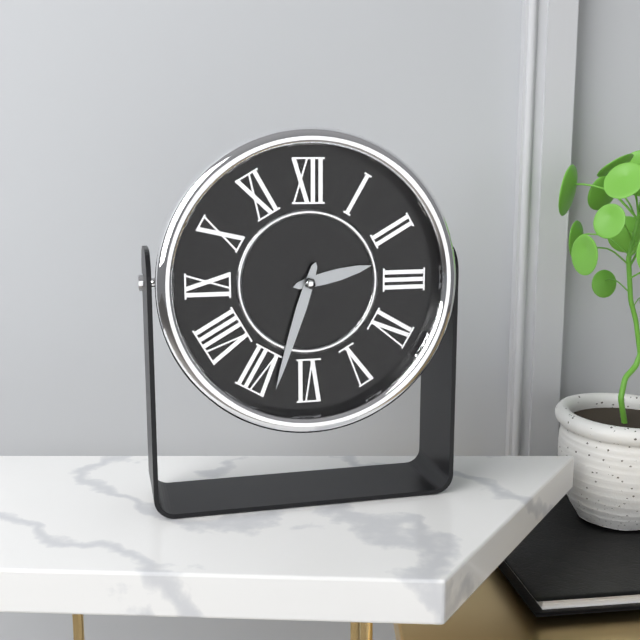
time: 2:33
